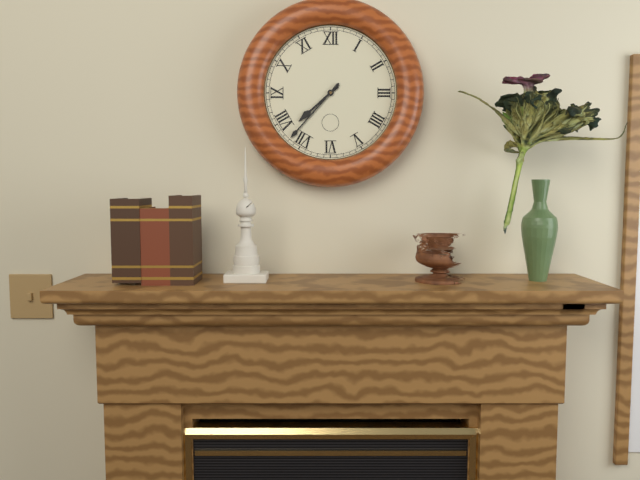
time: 7:37
